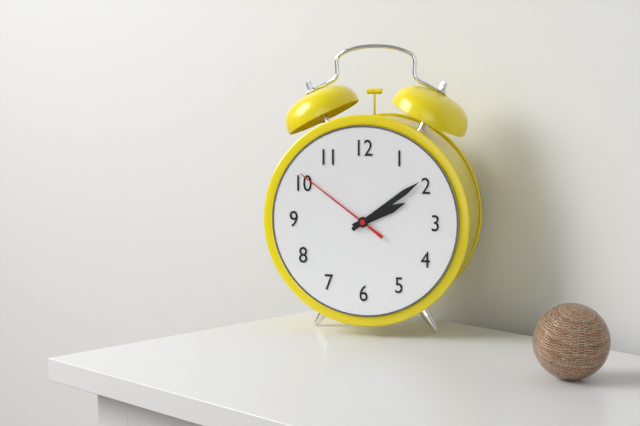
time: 2:09:51
